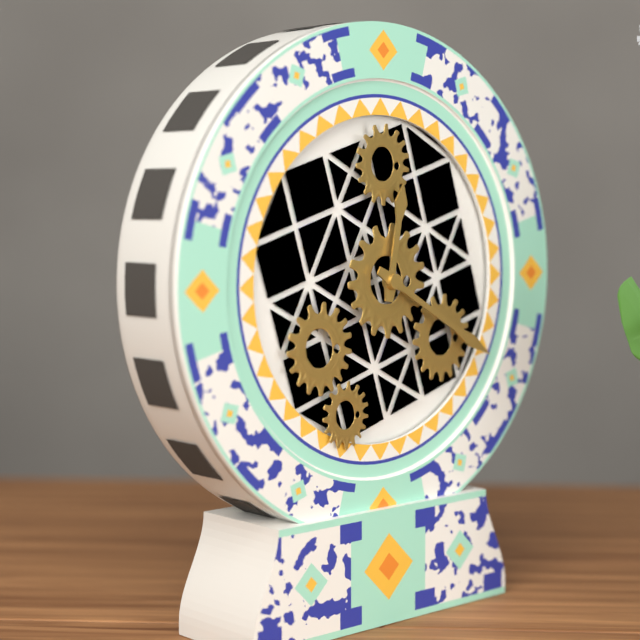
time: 12:20
